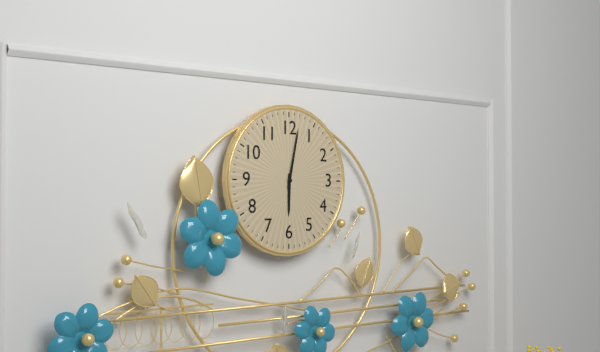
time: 6:02
